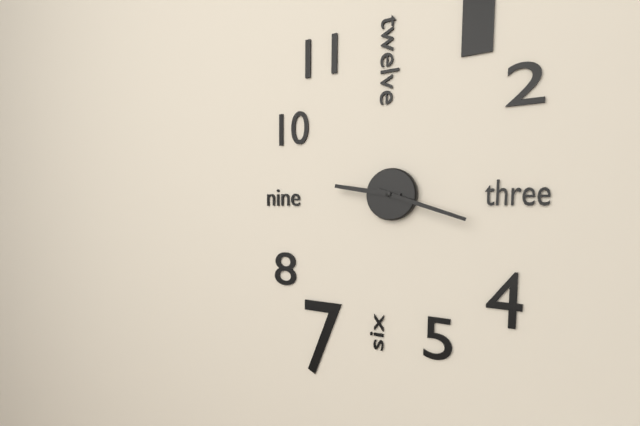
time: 9:18
